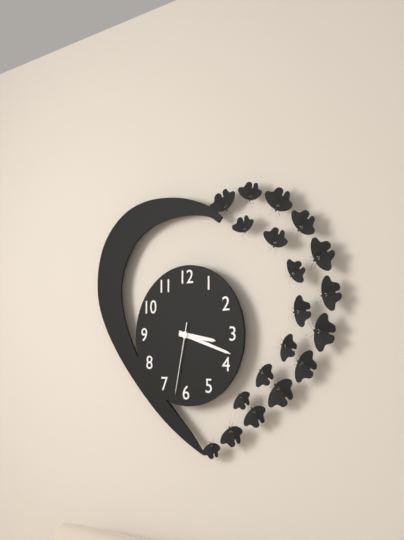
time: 3:18:32
